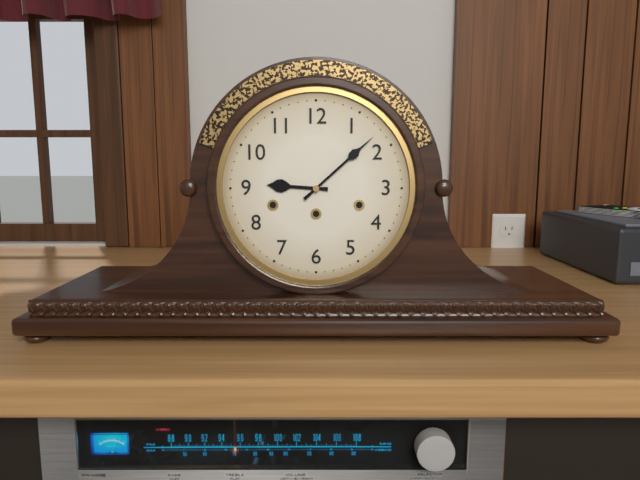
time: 9:08
